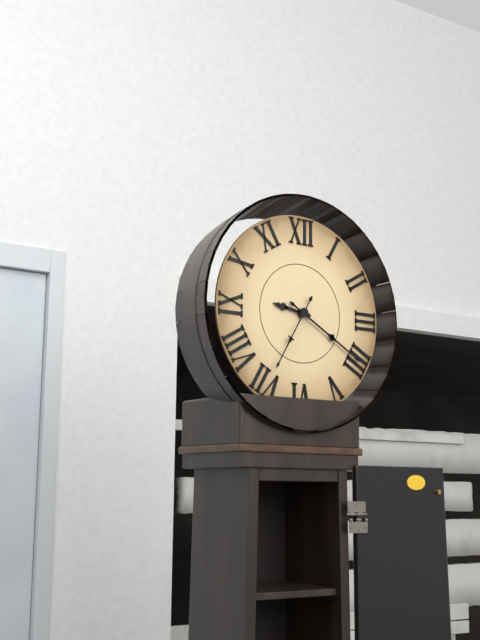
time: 9:20:35
